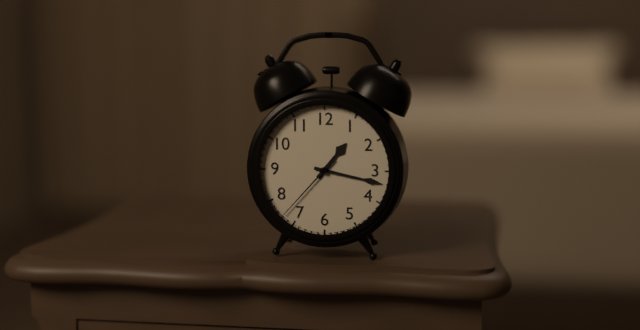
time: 1:17:37
